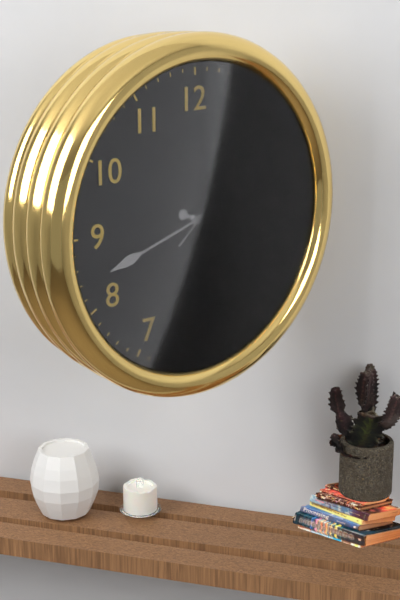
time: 3:42:08
